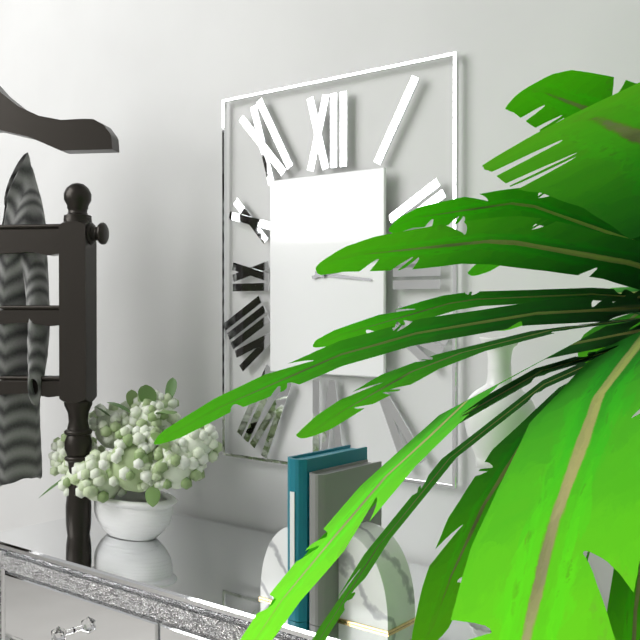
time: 3:13
